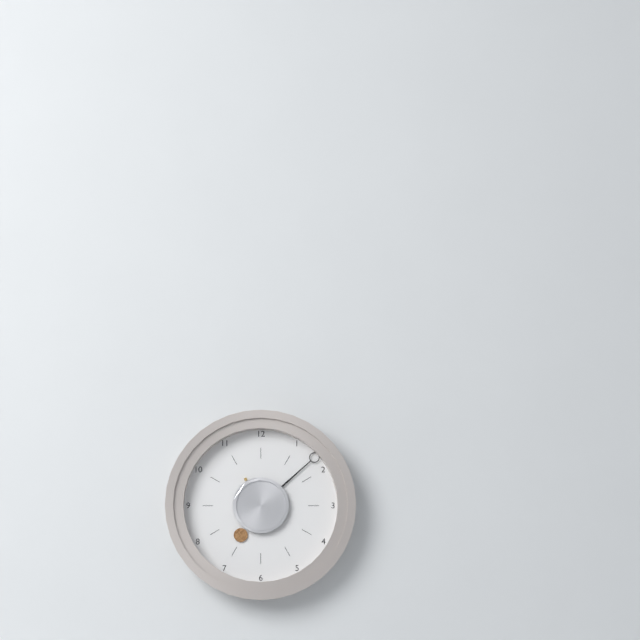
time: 7:08
